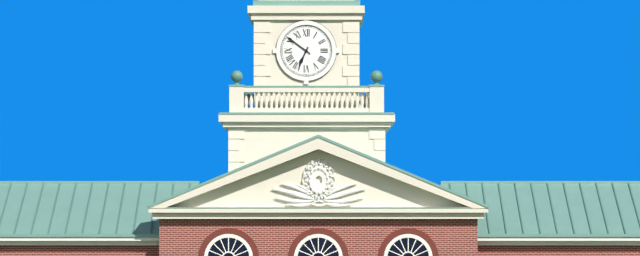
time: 6:51
